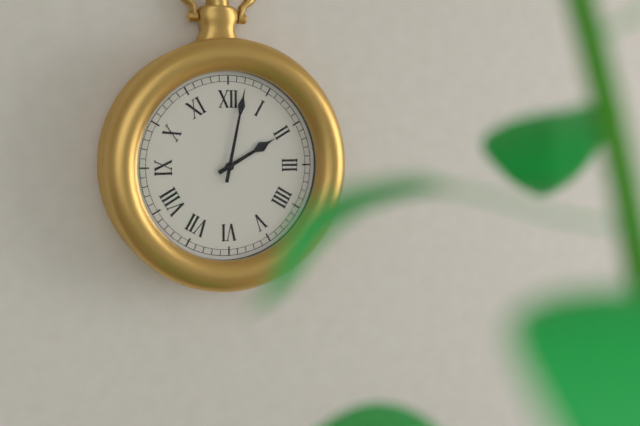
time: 2:02
